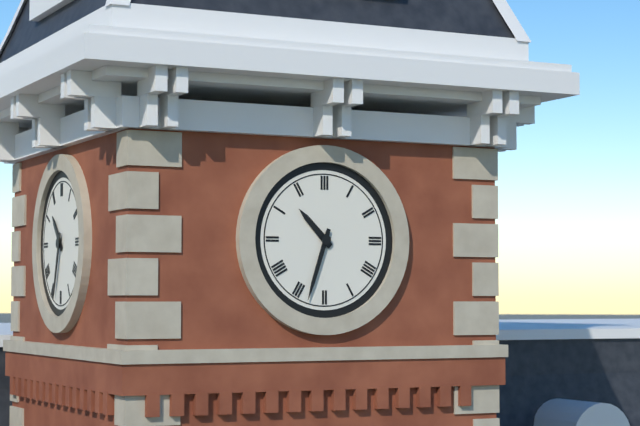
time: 10:33
